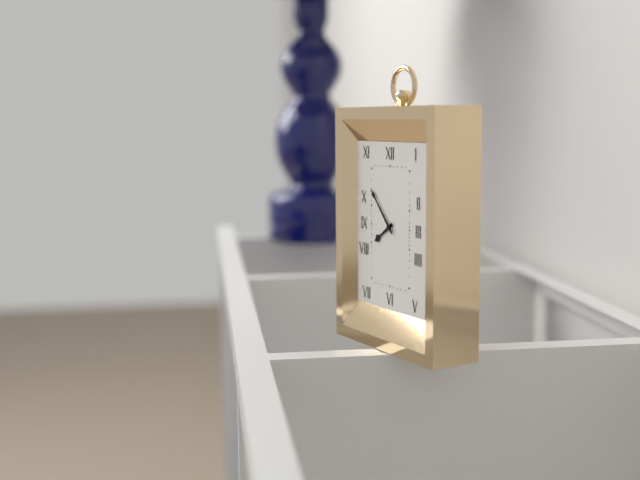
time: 7:53
